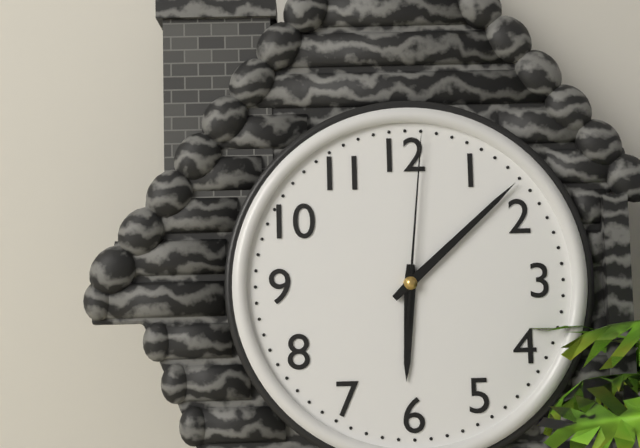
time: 6:08:01
